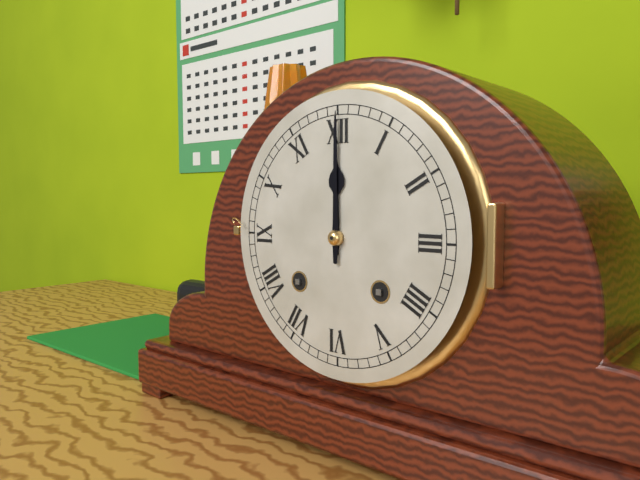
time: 12:00
